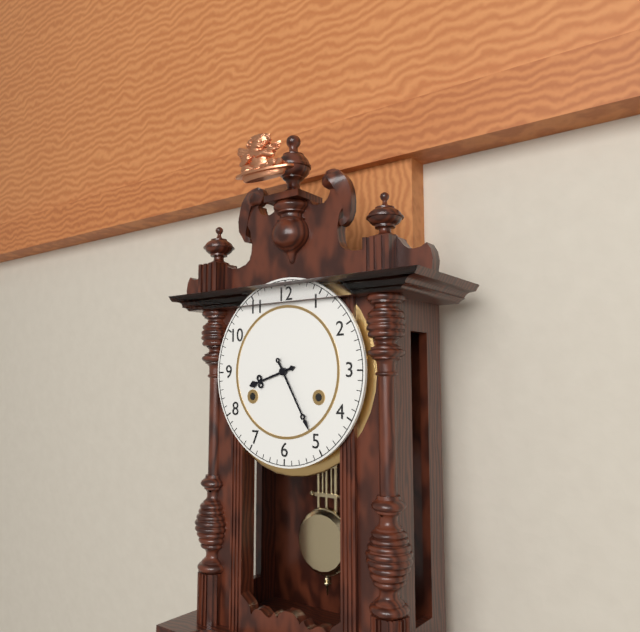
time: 8:25
